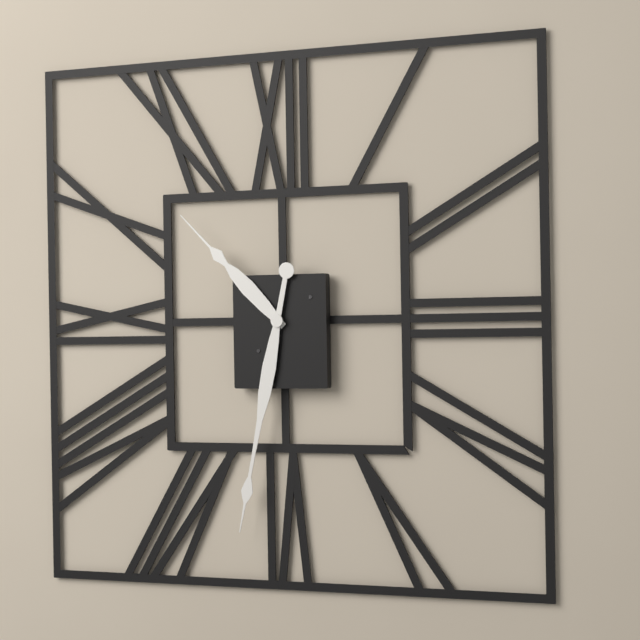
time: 10:32
